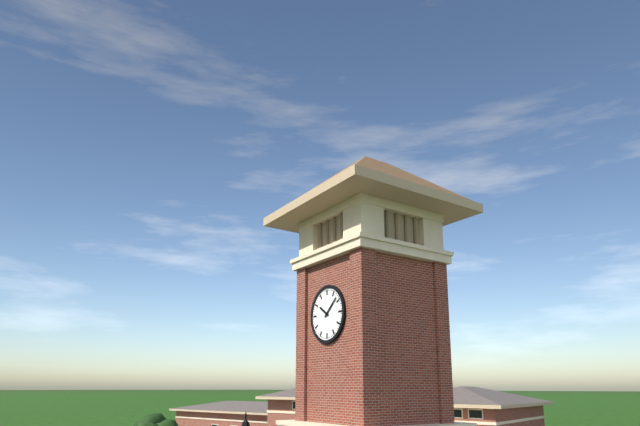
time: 10:08
